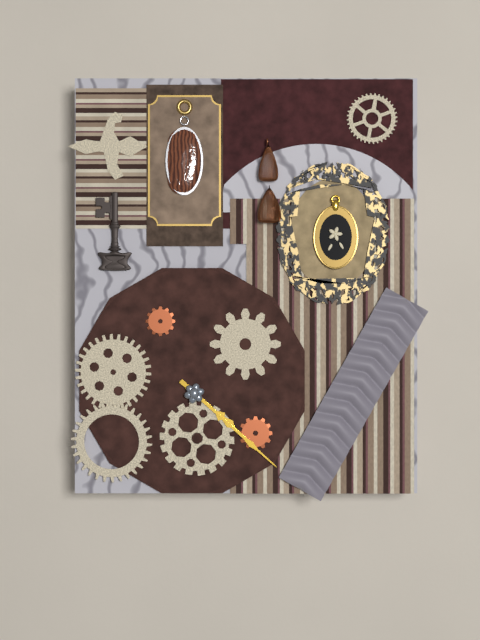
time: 4:22
